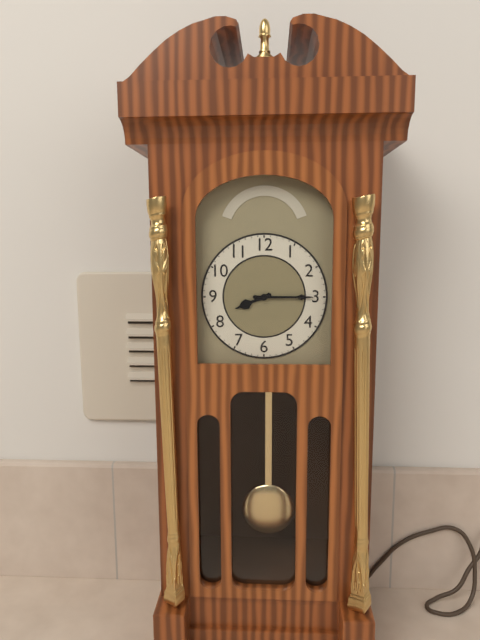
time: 8:15
